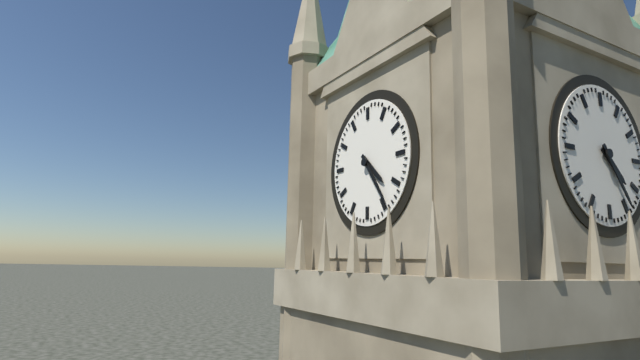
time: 4:24
